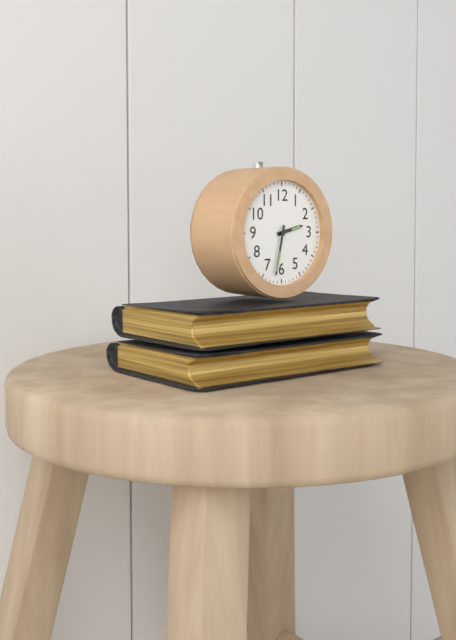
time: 2:32
